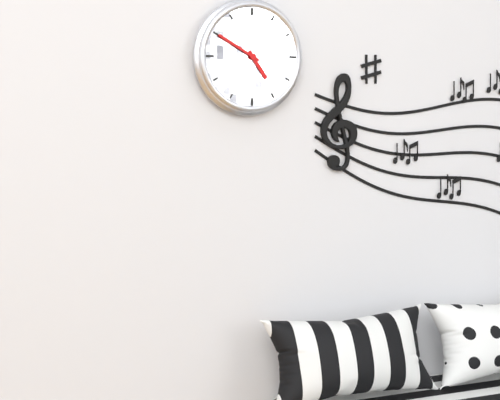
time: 4:50
